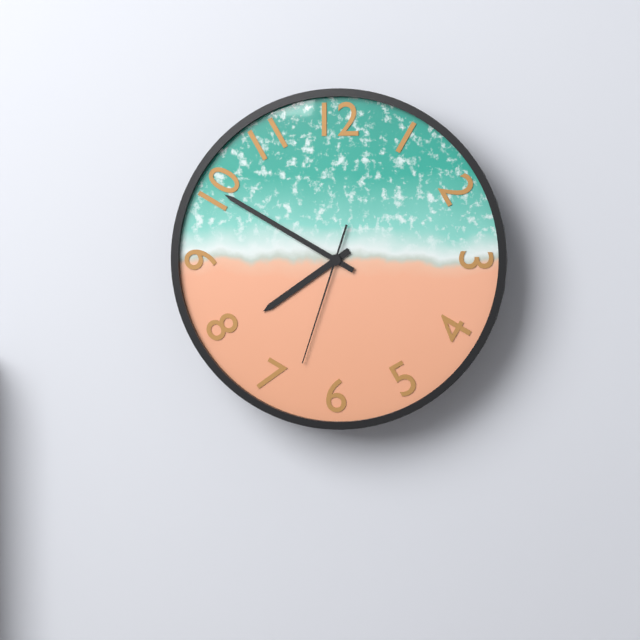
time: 7:50:33
